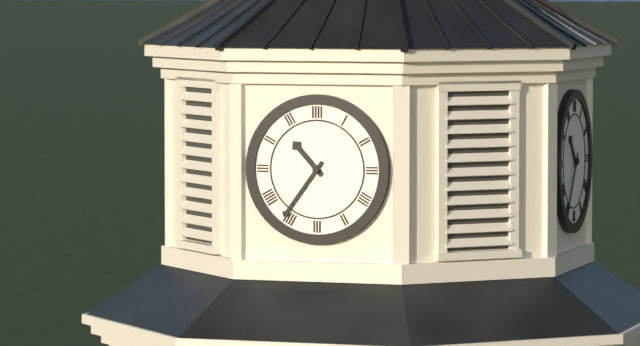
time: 10:36
